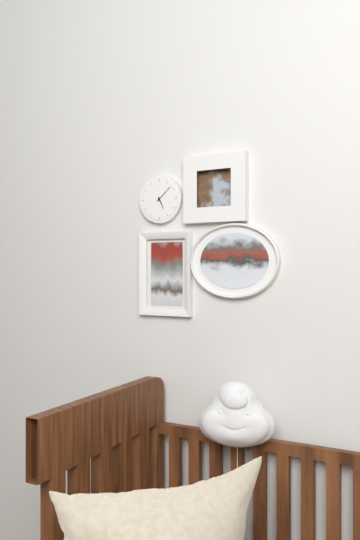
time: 5:08
